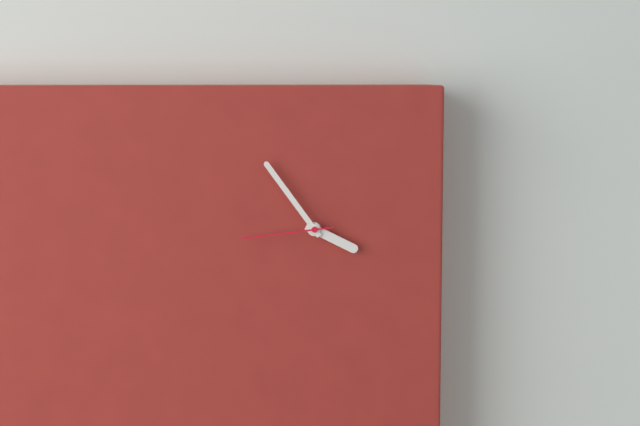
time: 3:54:44
